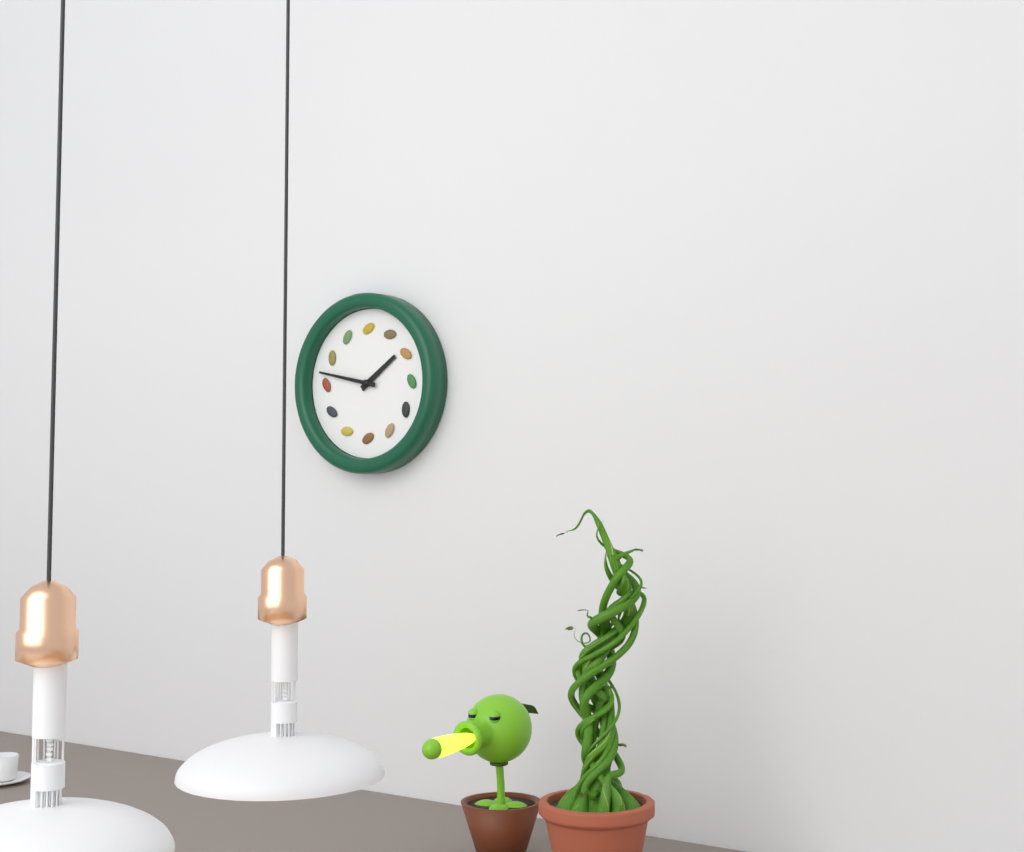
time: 1:47
